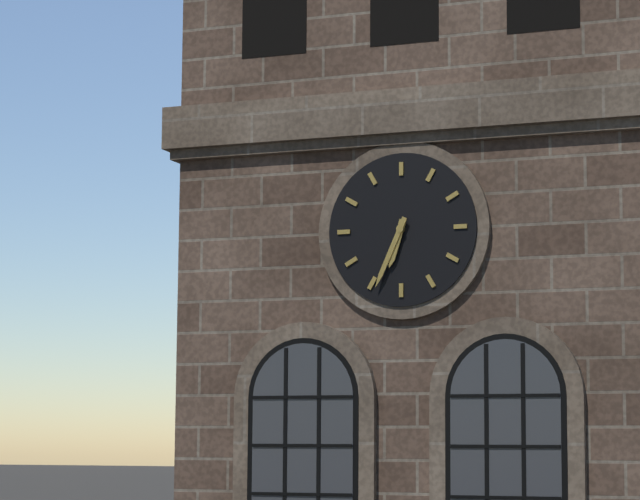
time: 6:34
